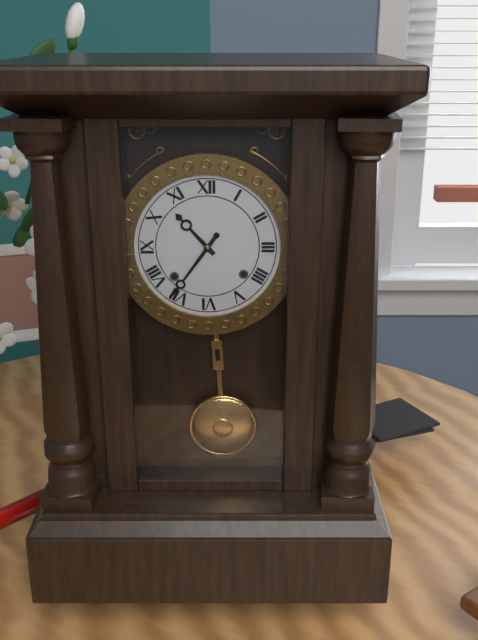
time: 10:36
